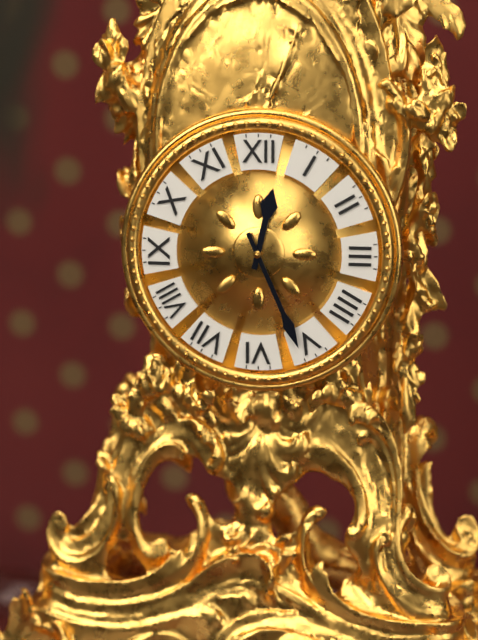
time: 12:26
